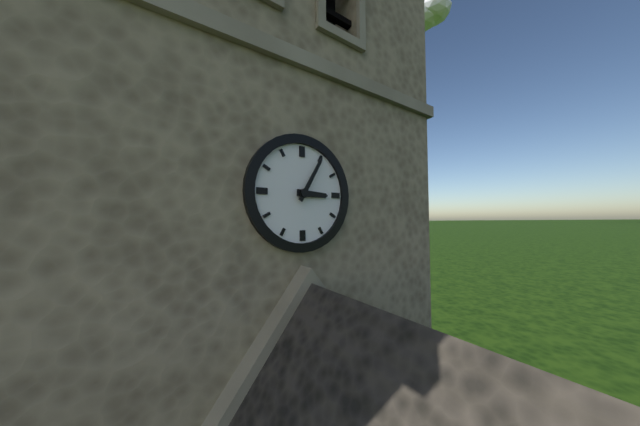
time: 3:05
